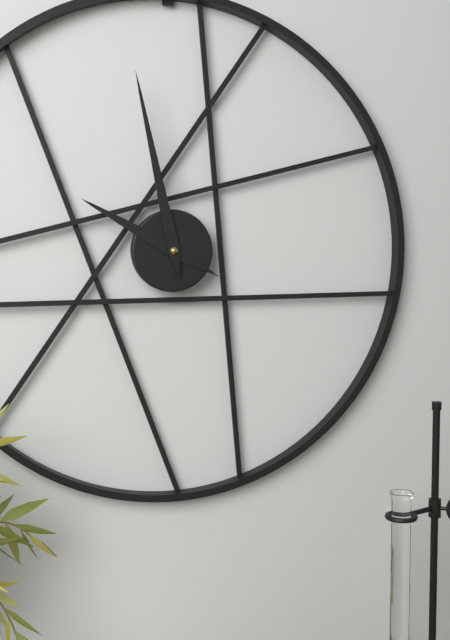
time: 9:58
